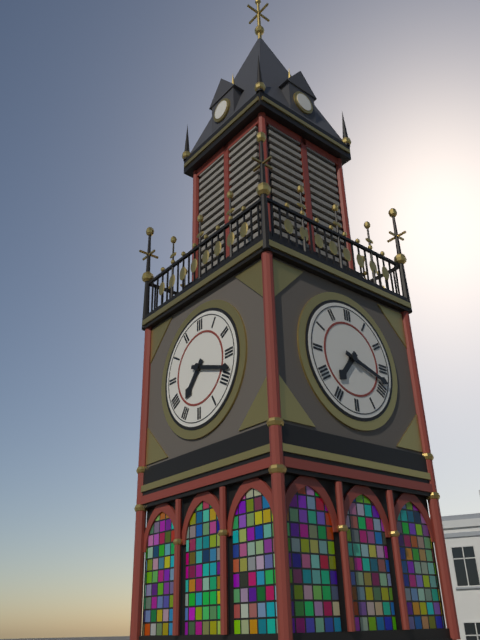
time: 7:18
